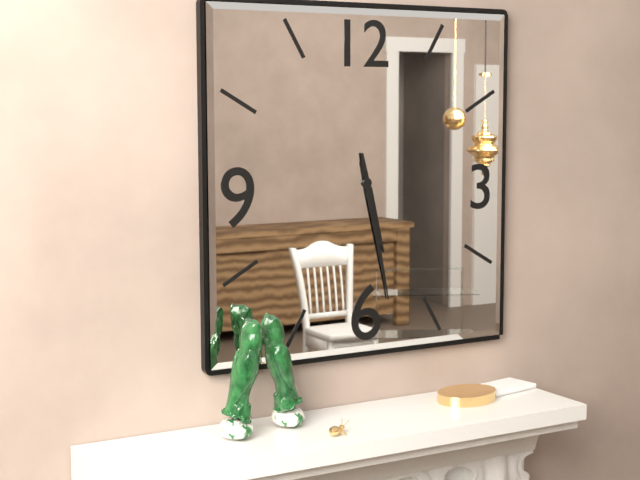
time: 5:28
